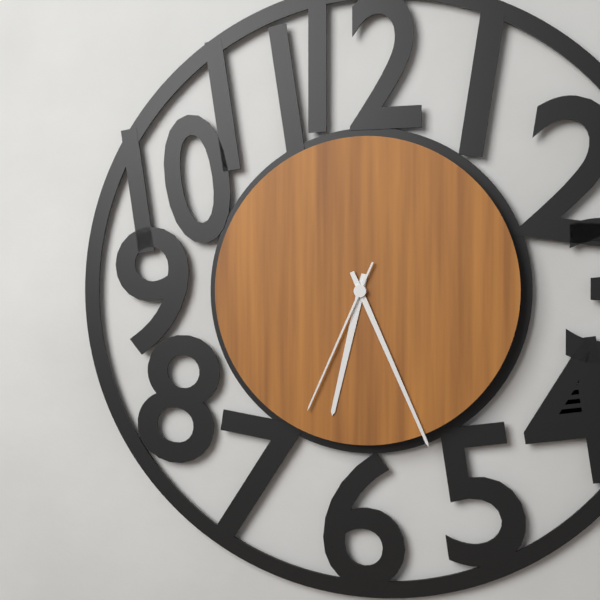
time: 6:26:34
